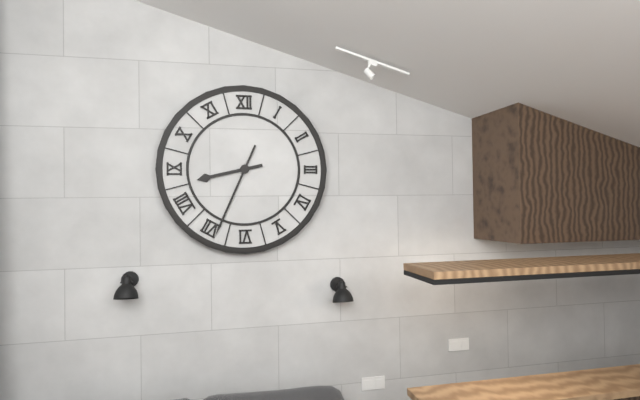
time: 8:34
